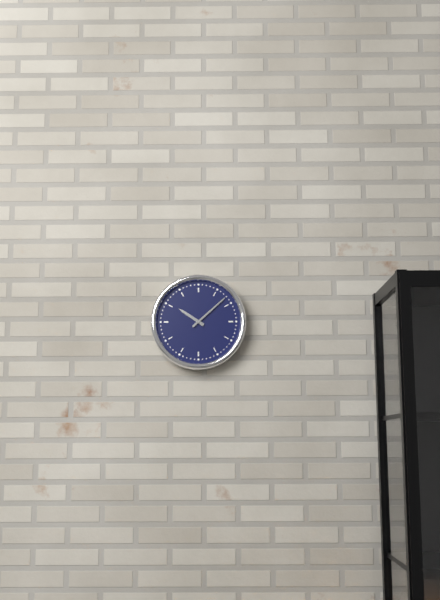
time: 10:08
